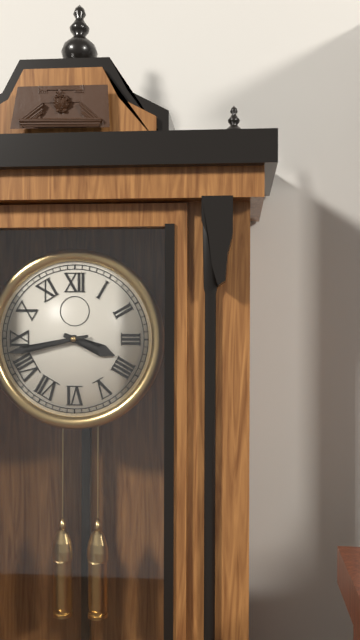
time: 3:43
